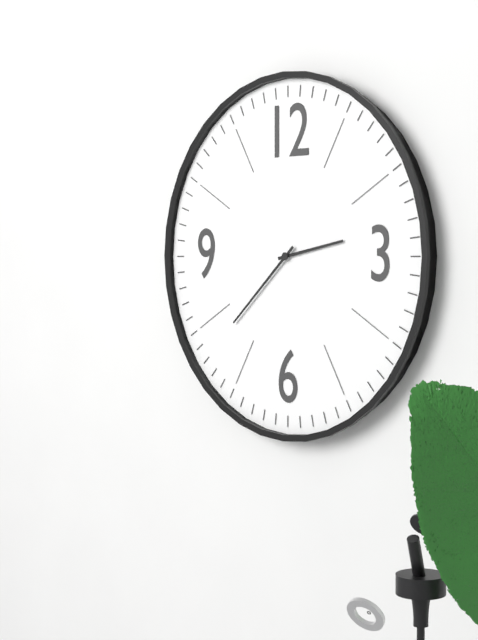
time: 2:38
